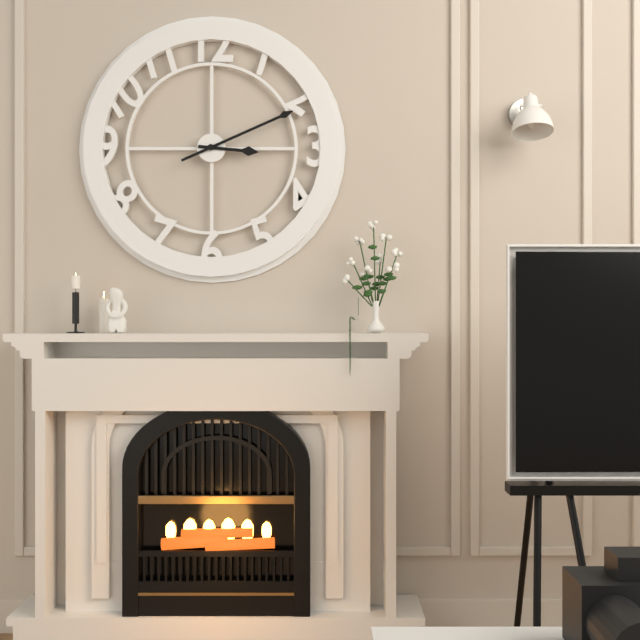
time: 3:11
